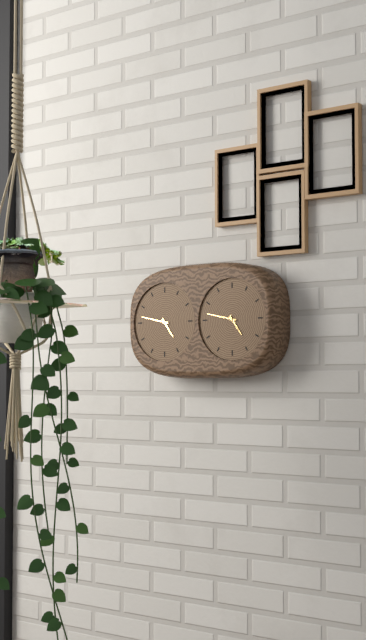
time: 4:47
